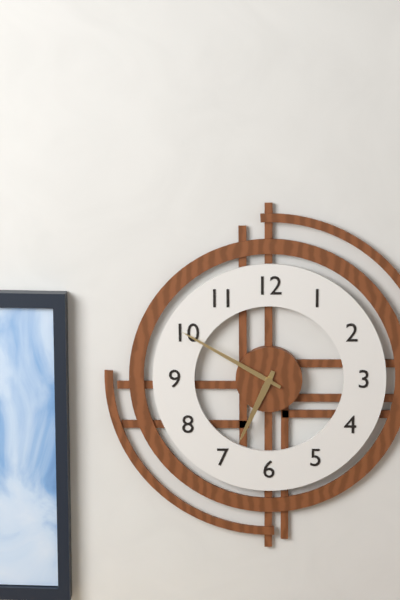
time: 6:50
